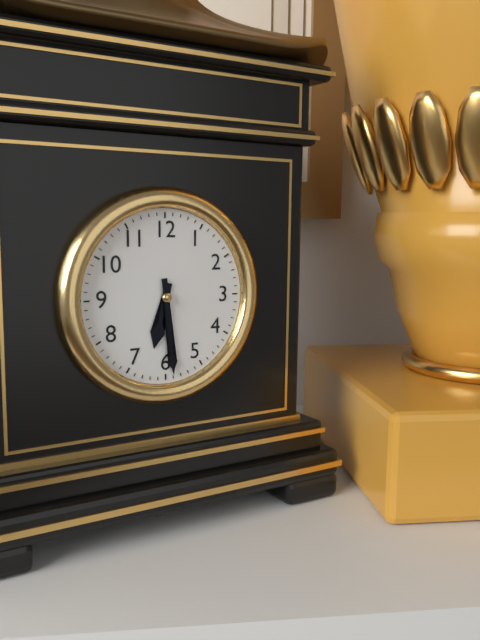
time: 6:29
